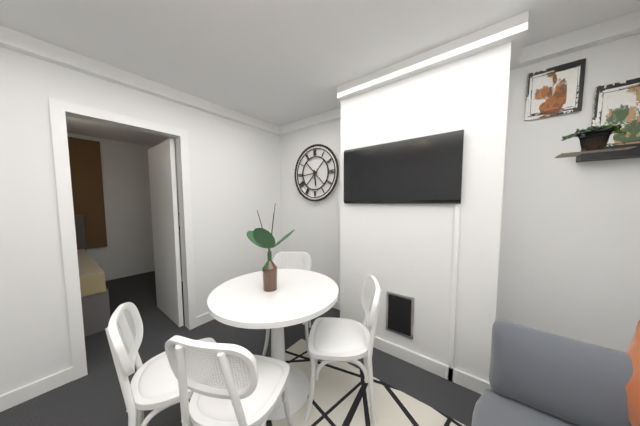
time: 5:44
